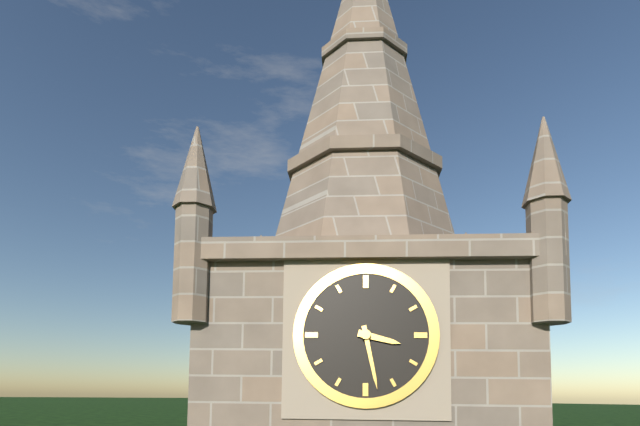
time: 3:28
